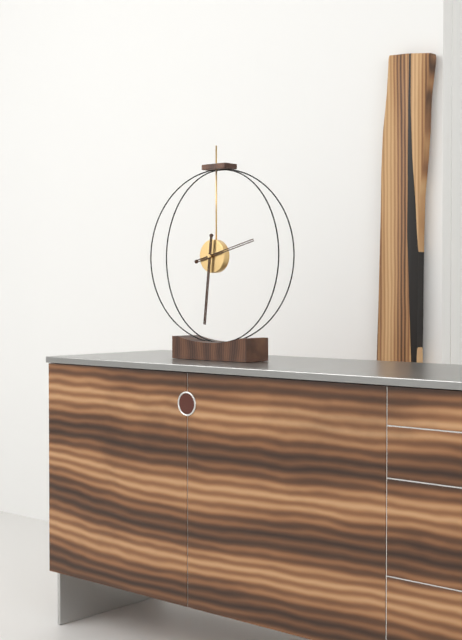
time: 2:31
